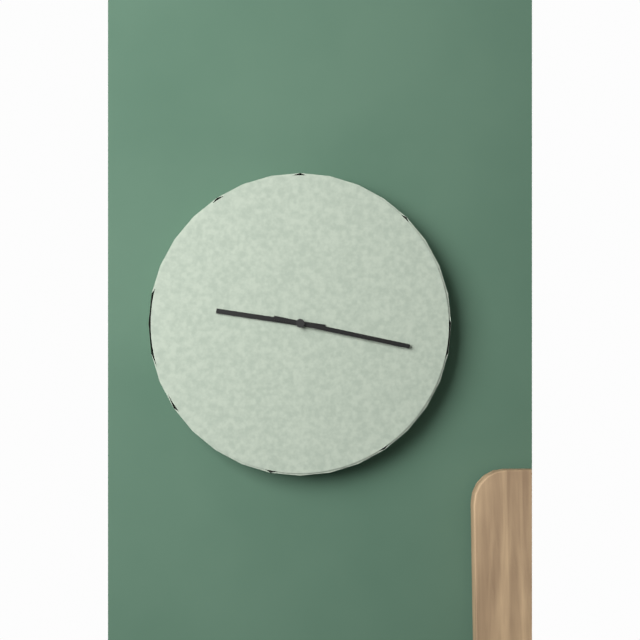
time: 9:17
